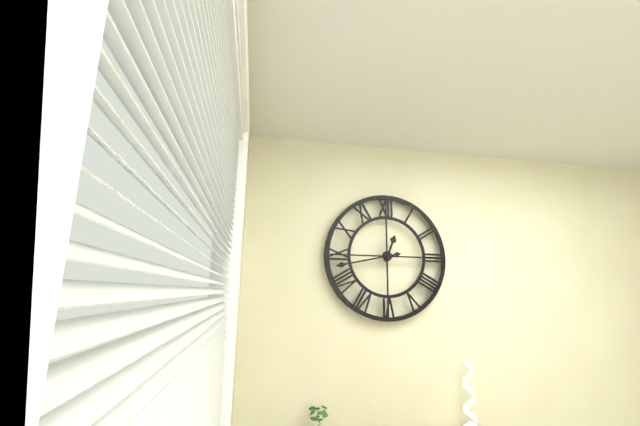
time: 12:43
